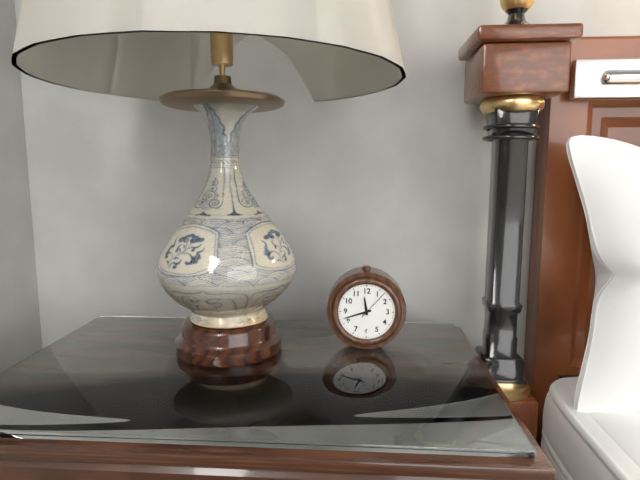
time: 11:42
